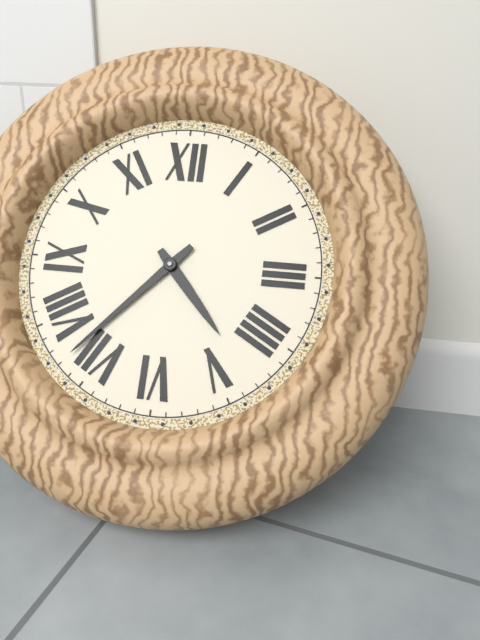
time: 4:37
